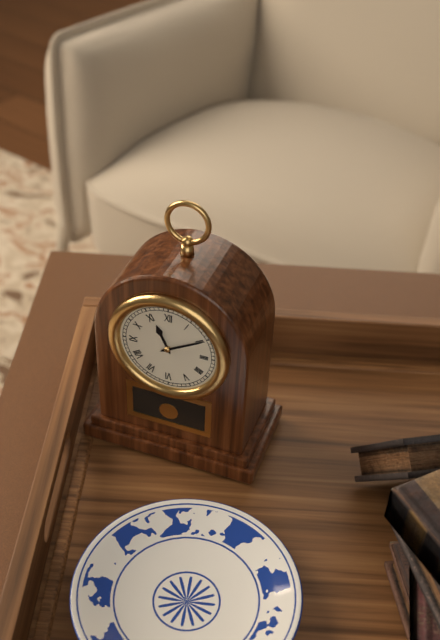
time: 11:10
